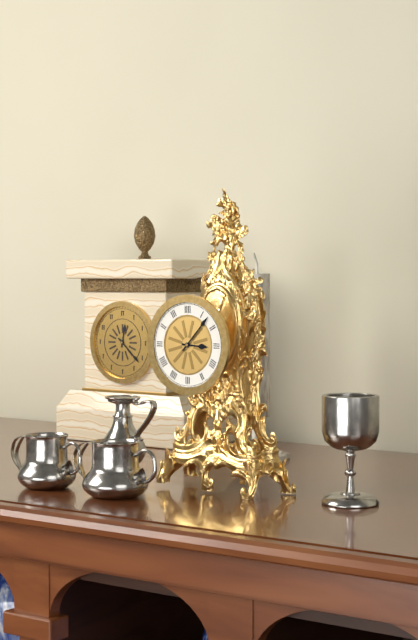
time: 3:07
